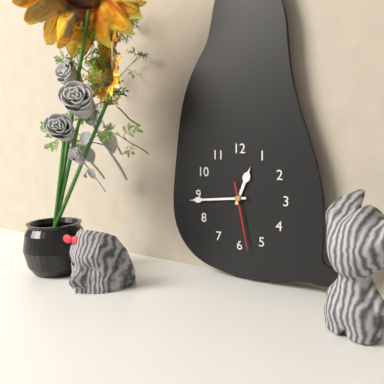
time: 12:44:28
